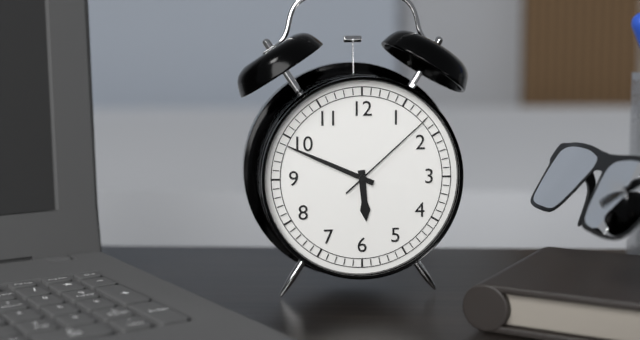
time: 5:49:08
